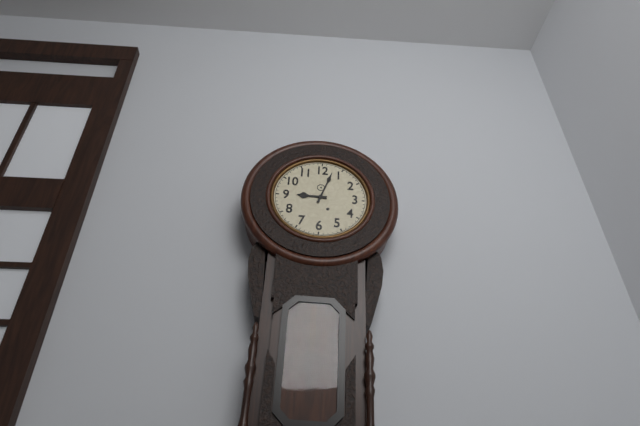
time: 9:03
